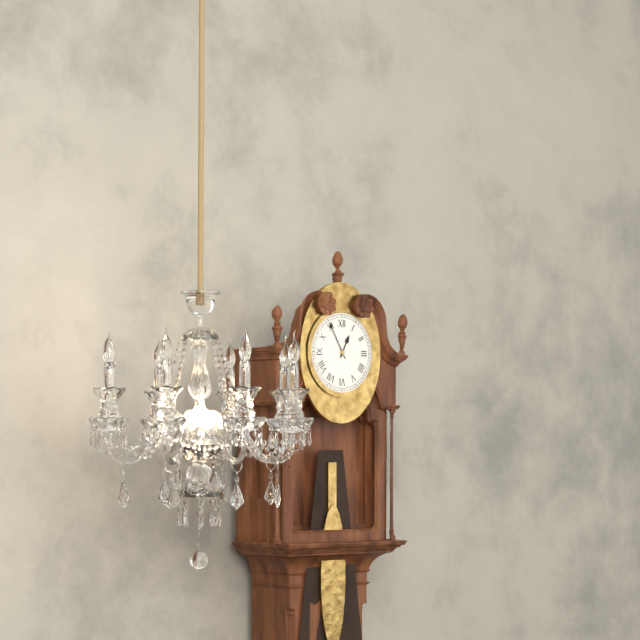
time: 12:55
